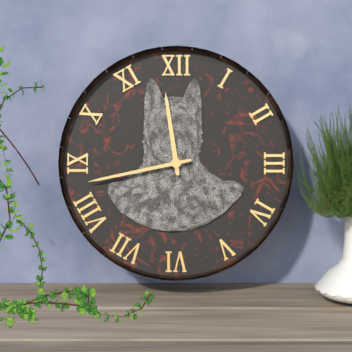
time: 11:43
